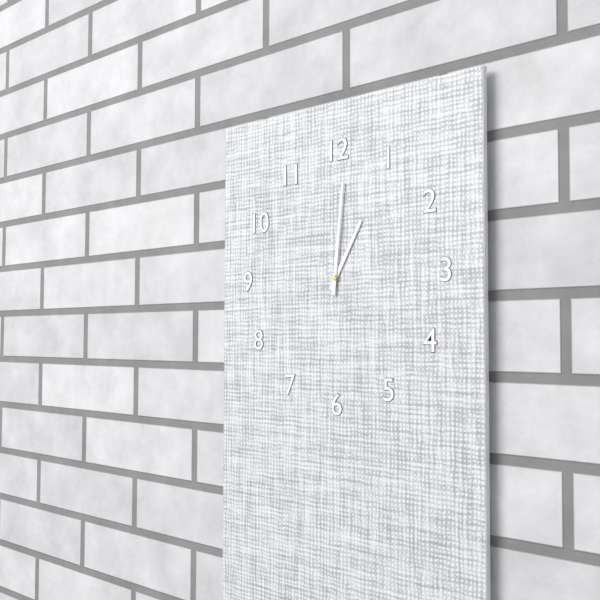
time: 1:01
